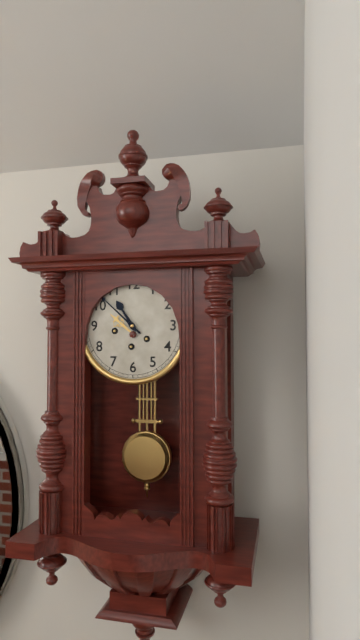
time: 10:52
